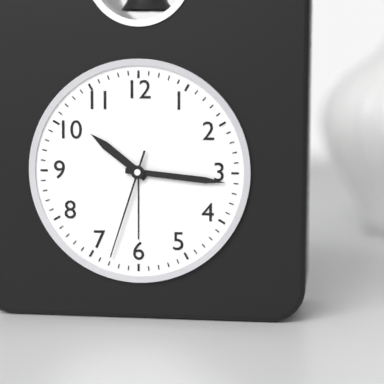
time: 10:16:33
